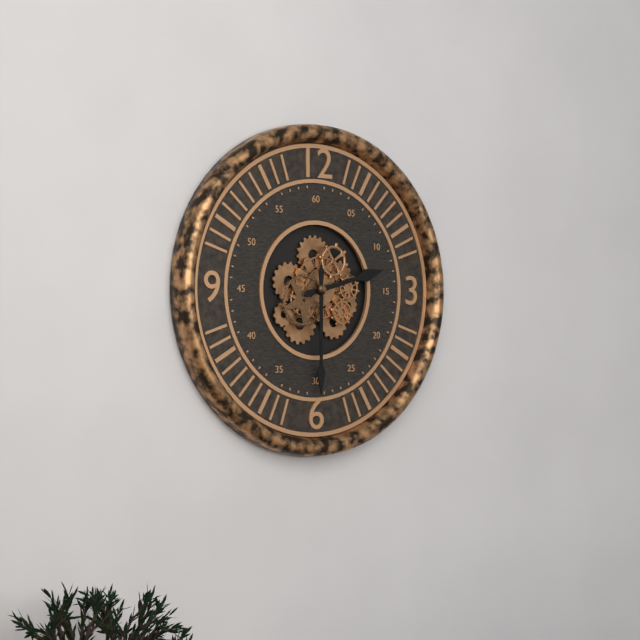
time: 2:30
